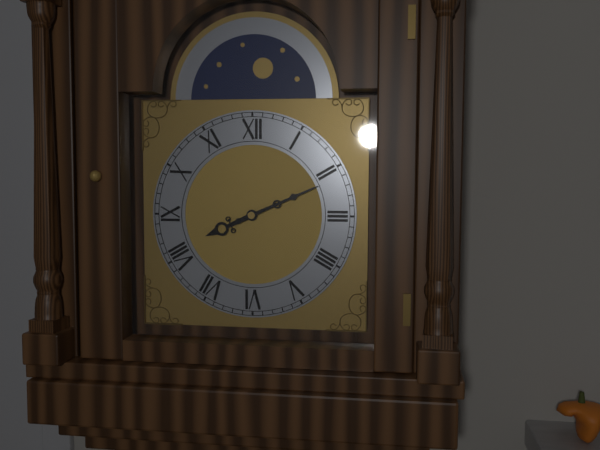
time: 8:11
